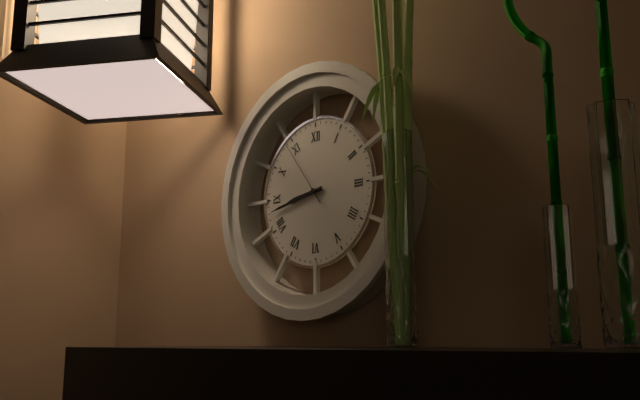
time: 8:43:54
